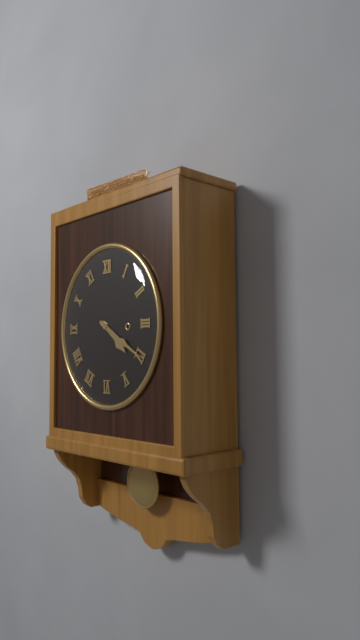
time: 4:20
